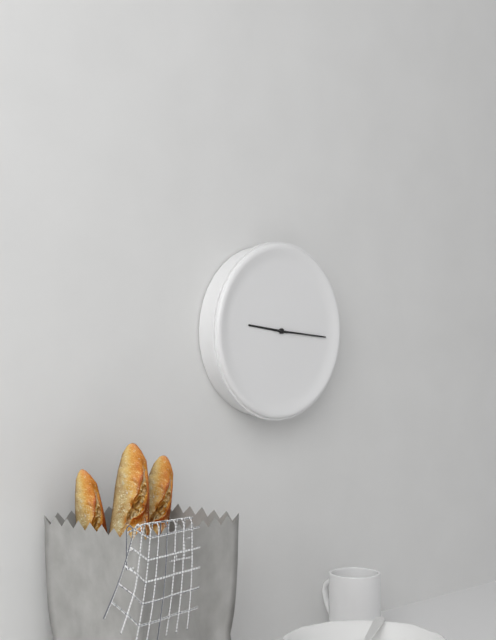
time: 9:16
